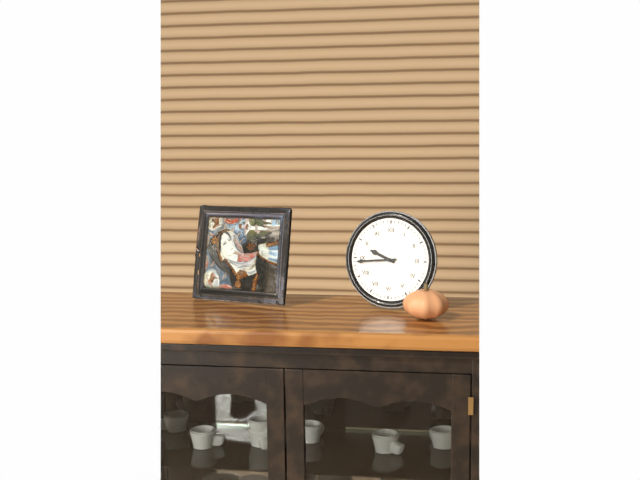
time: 9:44
